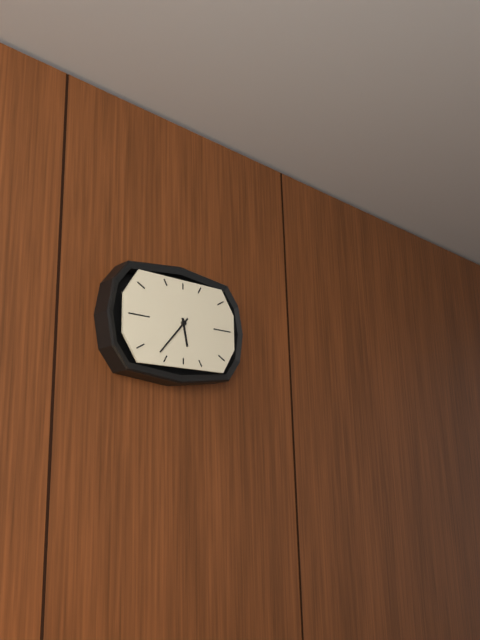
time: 5:37
